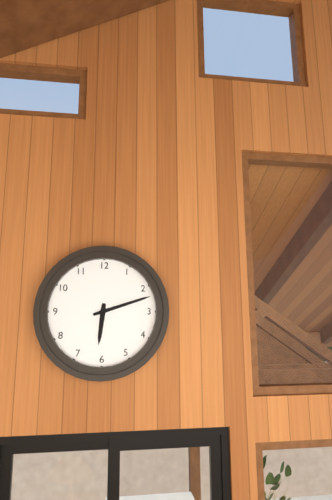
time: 6:12
